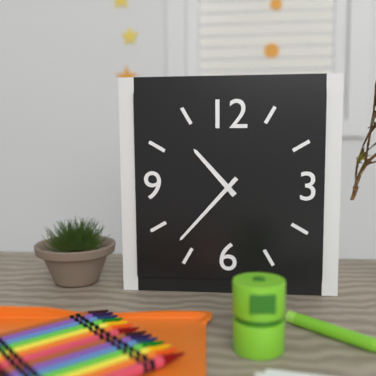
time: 10:37
